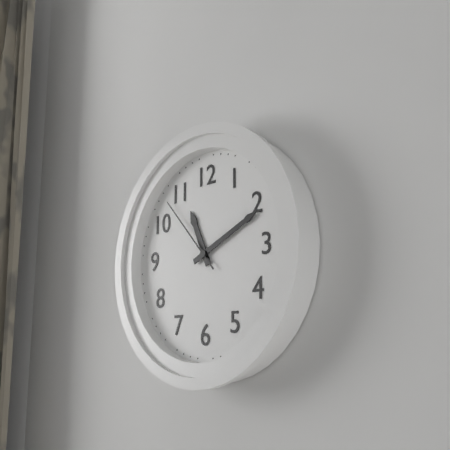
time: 11:11:53
